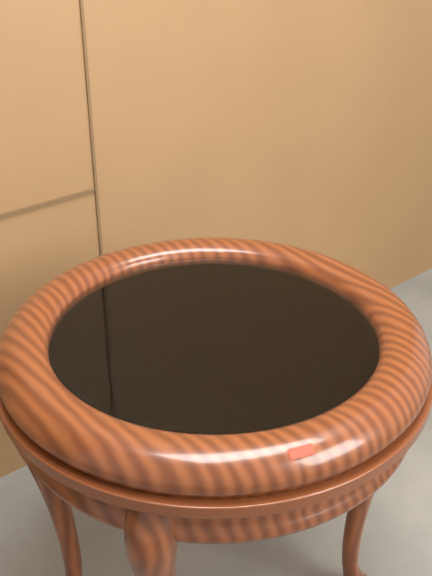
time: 9:48
